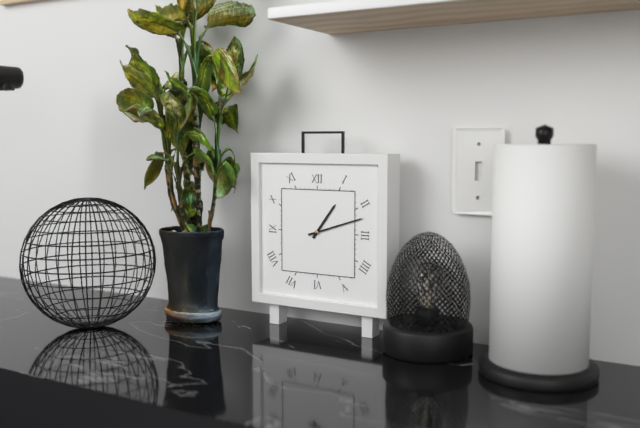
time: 1:12
